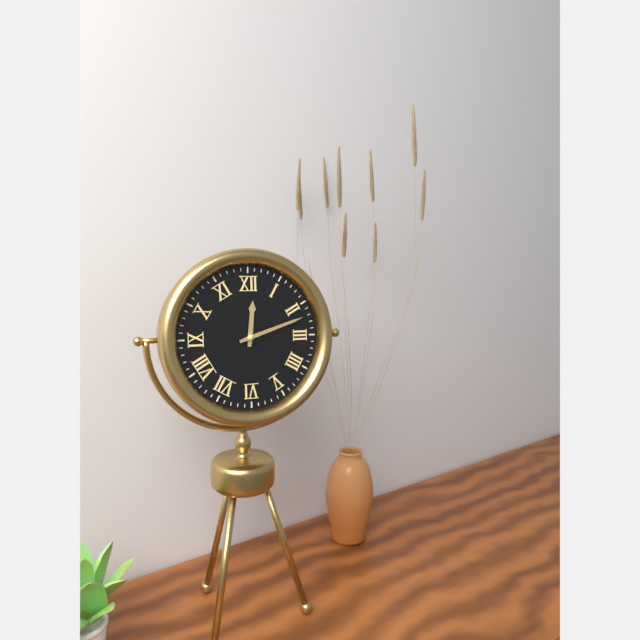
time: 12:12
